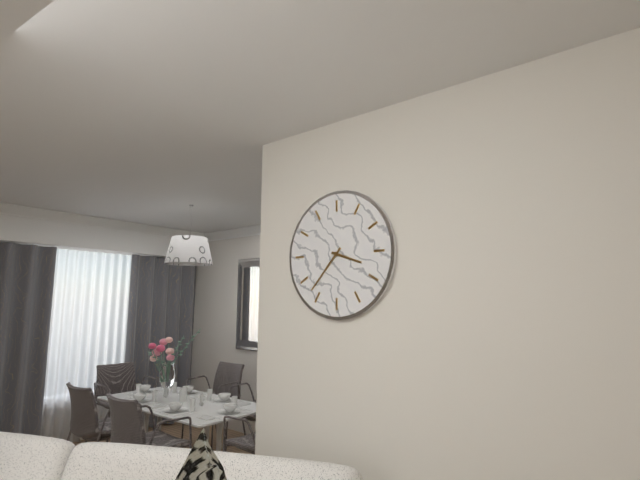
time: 3:37
